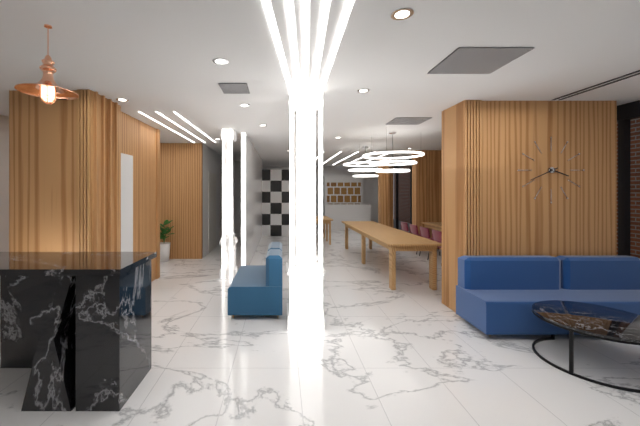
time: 3:41
